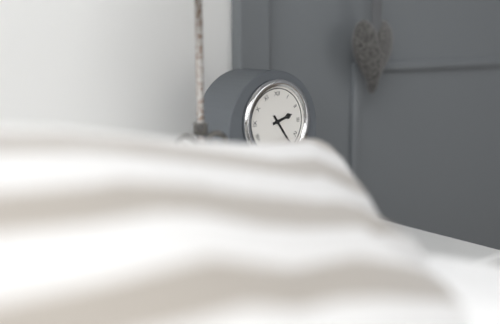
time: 2:24
